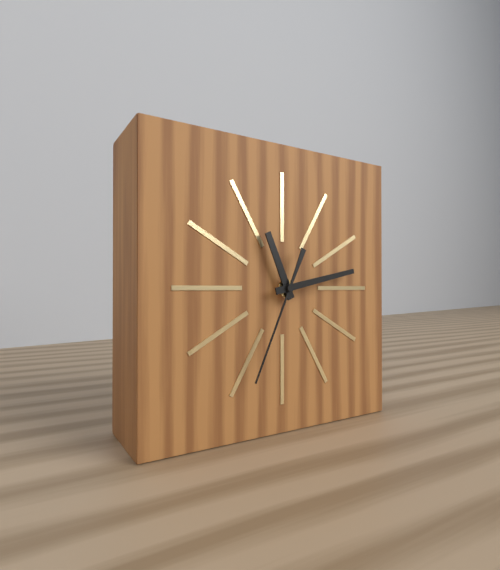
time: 11:13:34
